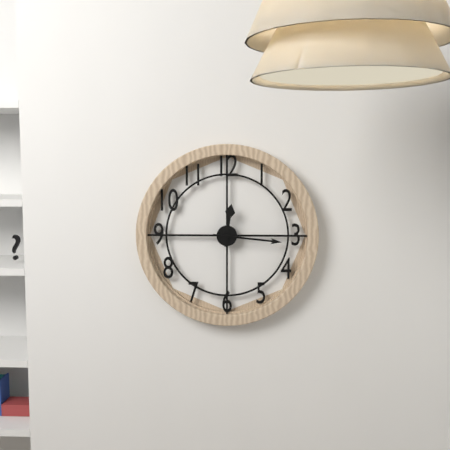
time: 12:16
